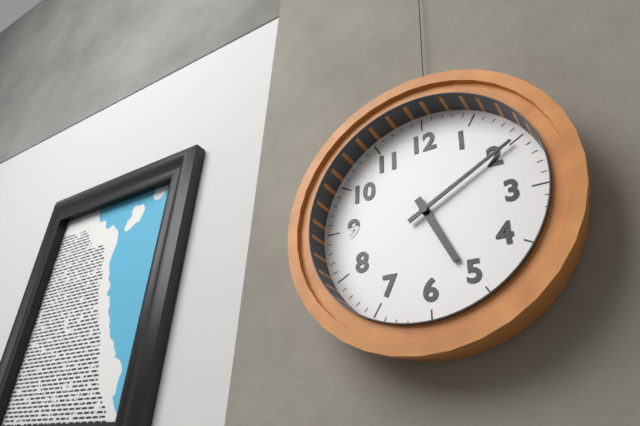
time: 5:10
